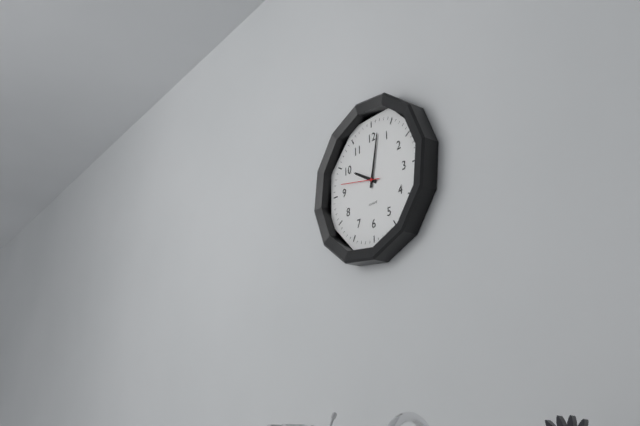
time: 10:02
